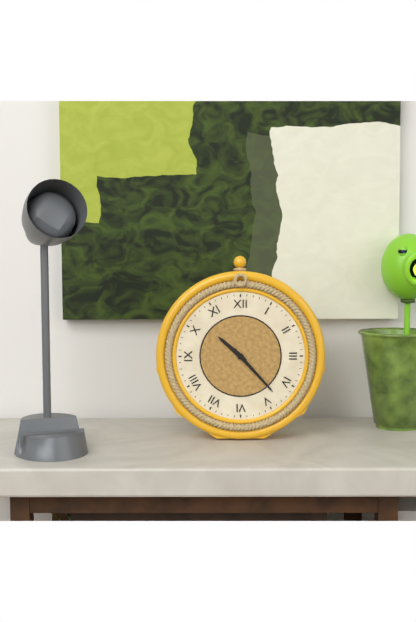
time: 10:23
